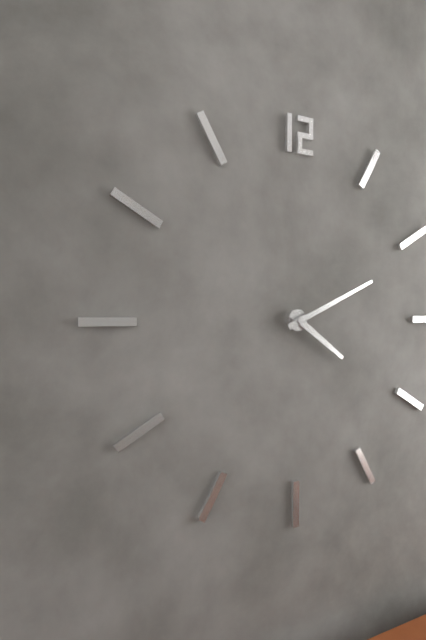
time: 4:11
